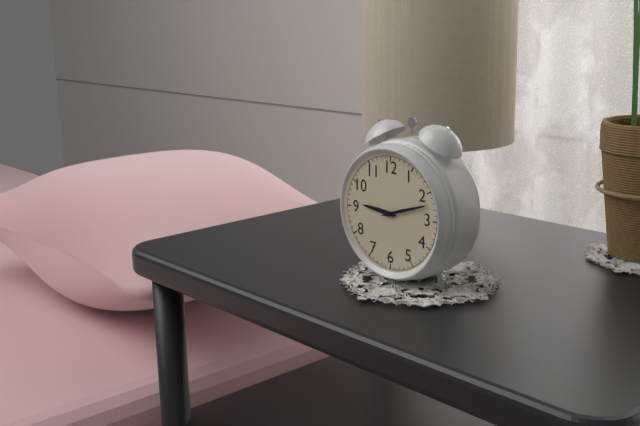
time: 9:12
